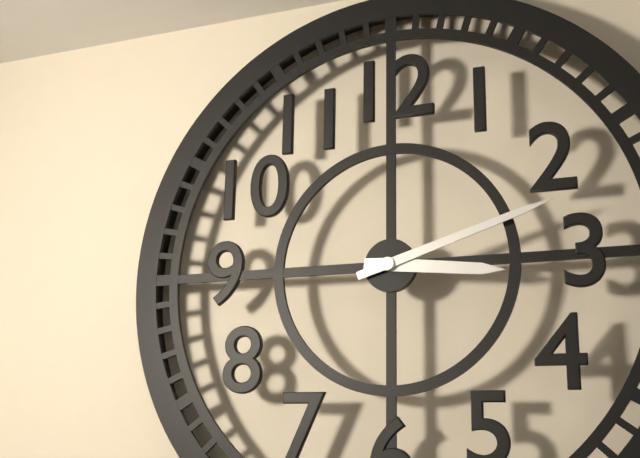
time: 3:12
